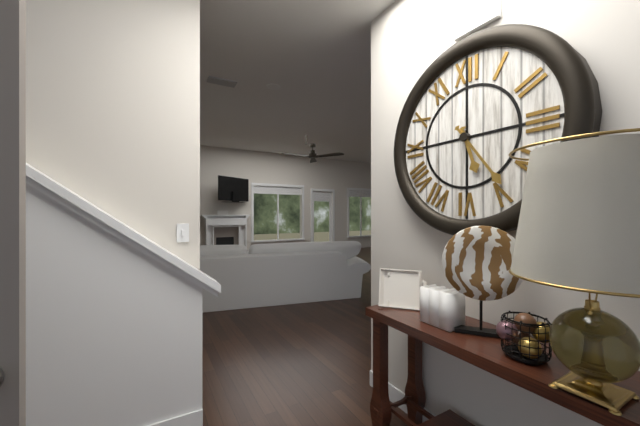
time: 5:24
